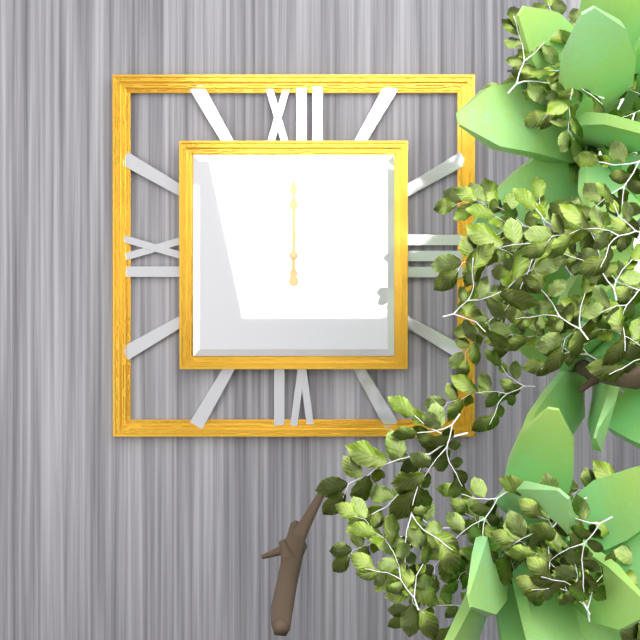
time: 12:00:01
